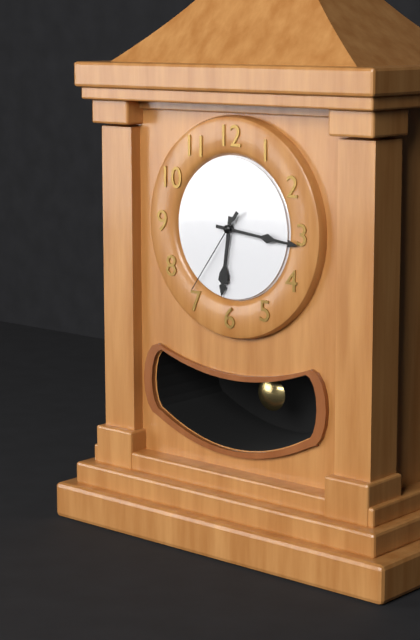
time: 6:16:36
